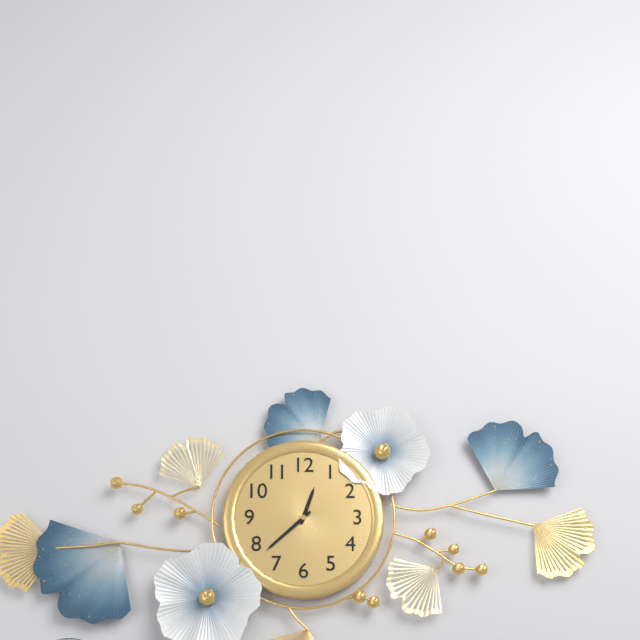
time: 12:38
